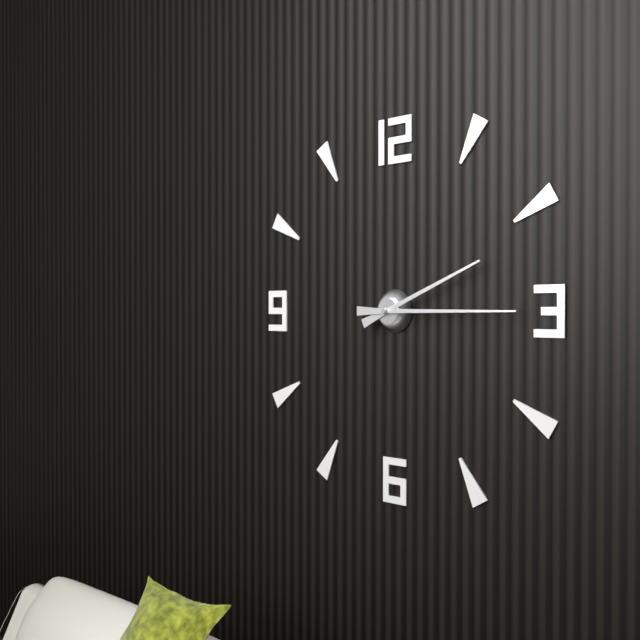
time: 2:15
